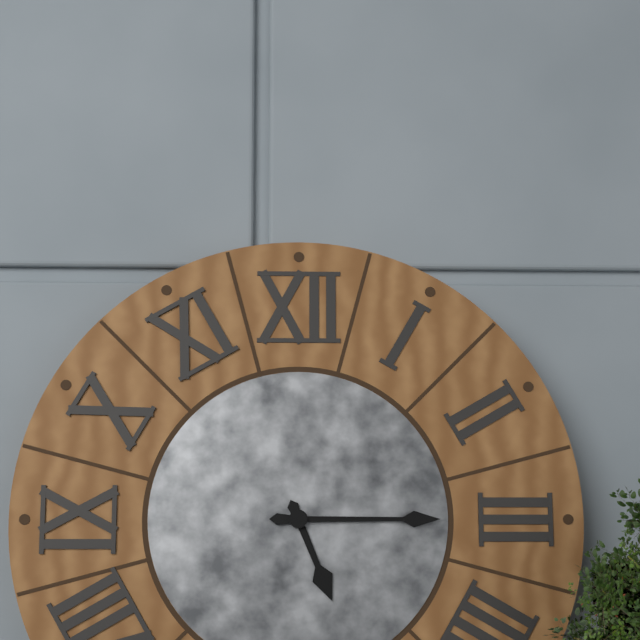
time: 5:15
